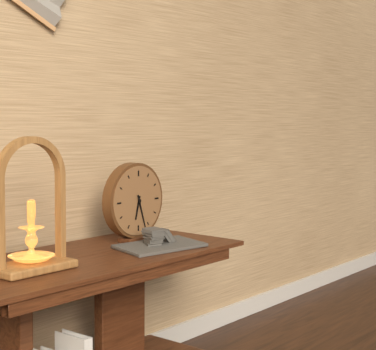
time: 6:27
